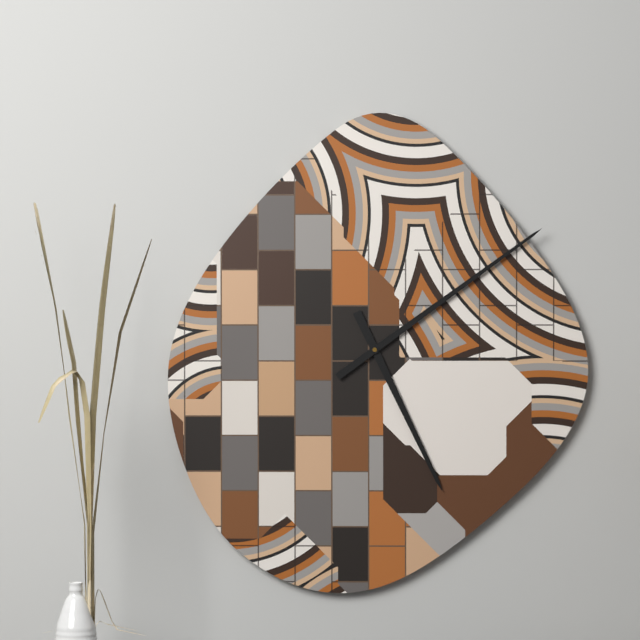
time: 5:09
